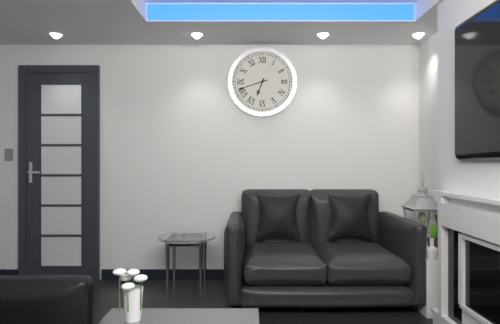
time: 6:42
